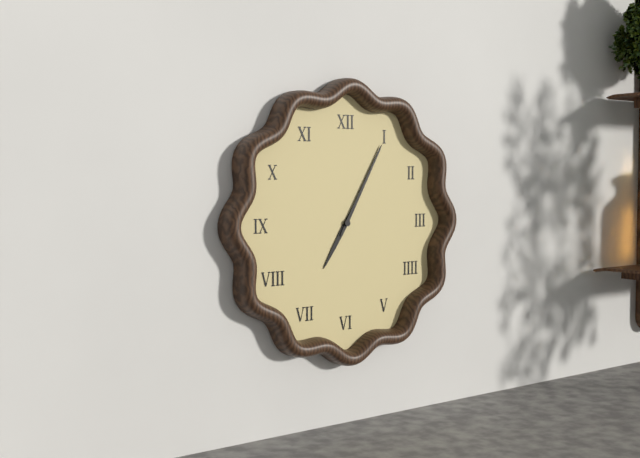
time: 7:05
